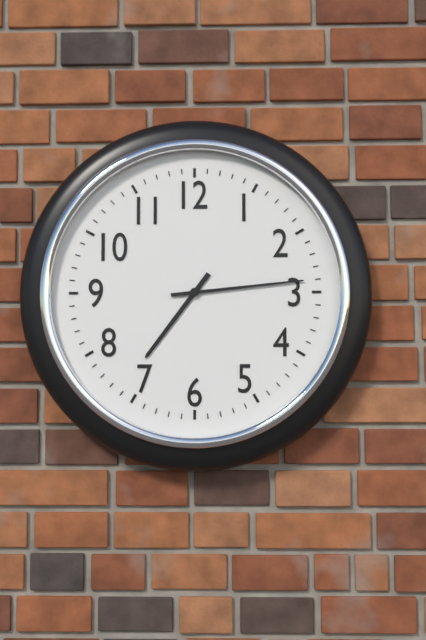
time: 7:14
